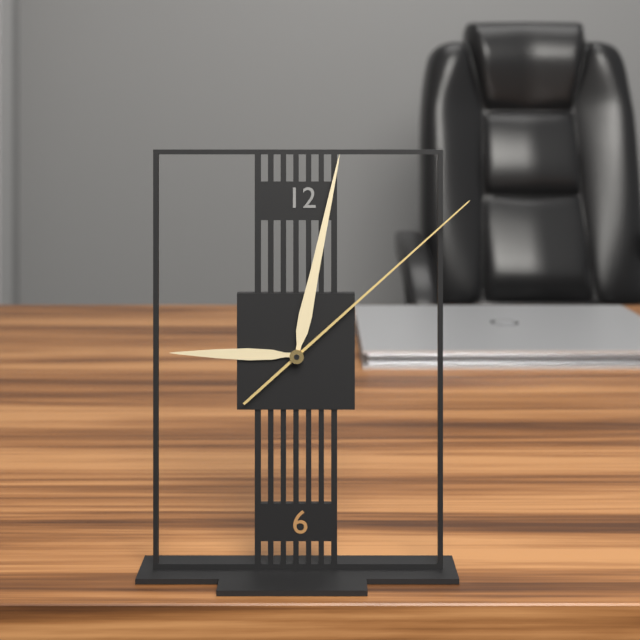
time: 9:02:08
